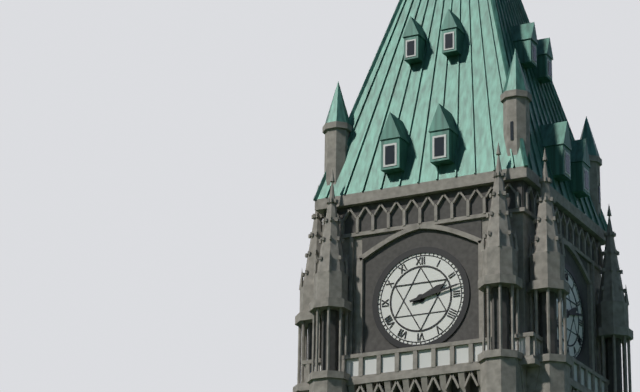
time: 2:13
